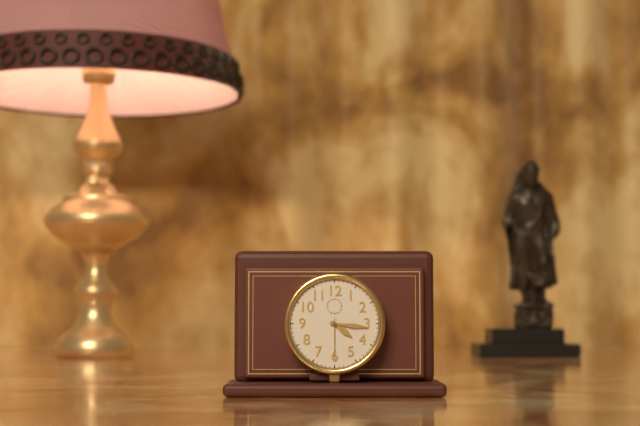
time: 4:16
